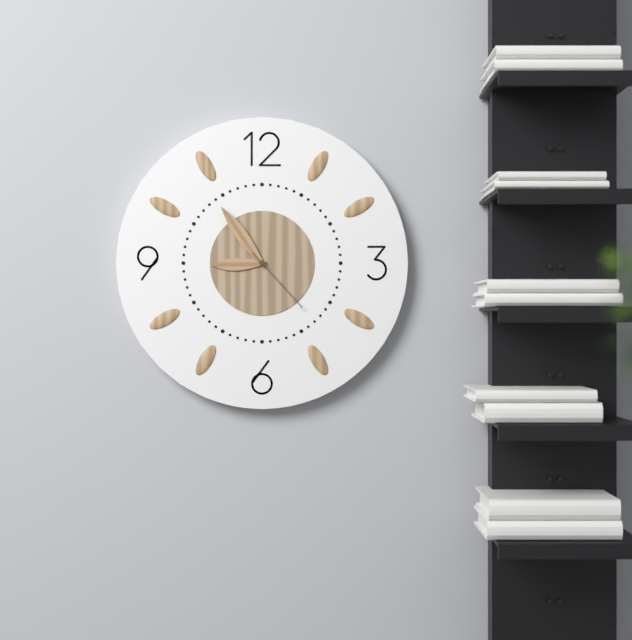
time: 8:54:23
